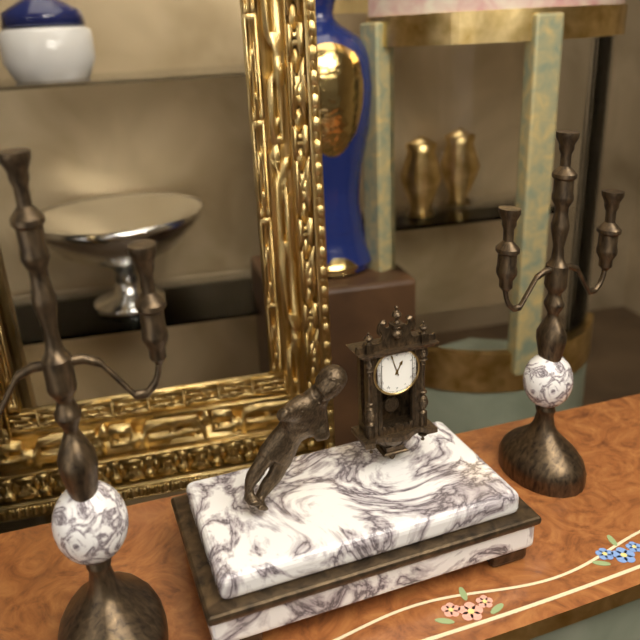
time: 12:57
